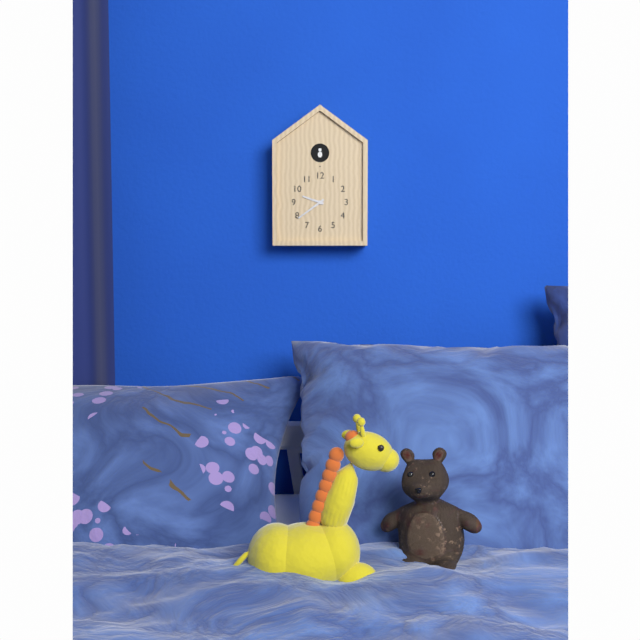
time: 9:39
